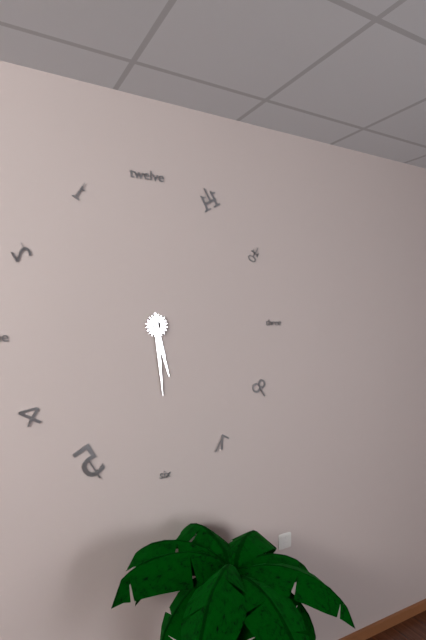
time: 5:29
